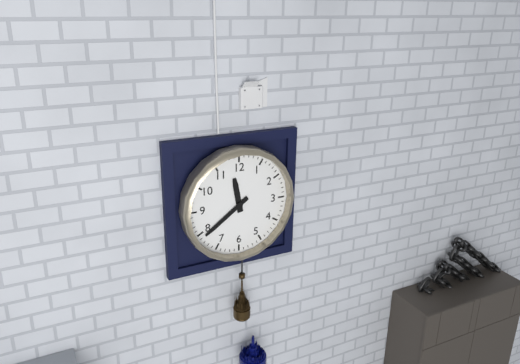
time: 11:39
